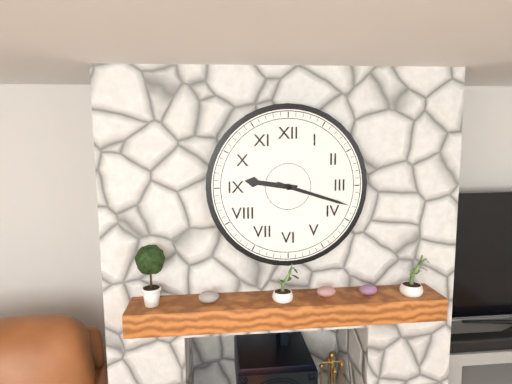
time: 9:18
